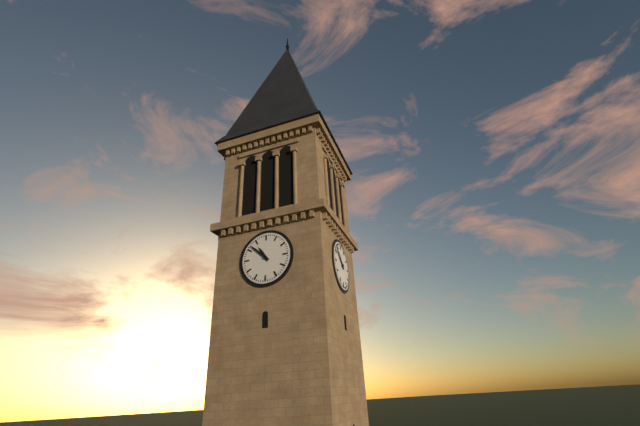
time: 10:52
